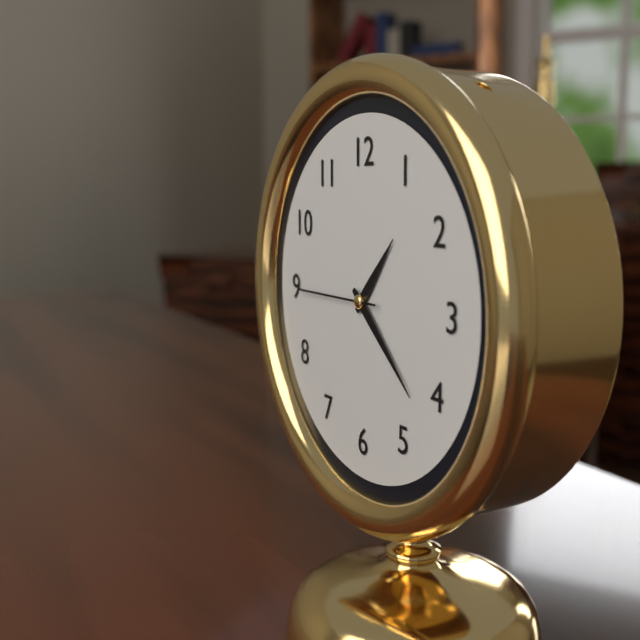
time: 1:22:45
